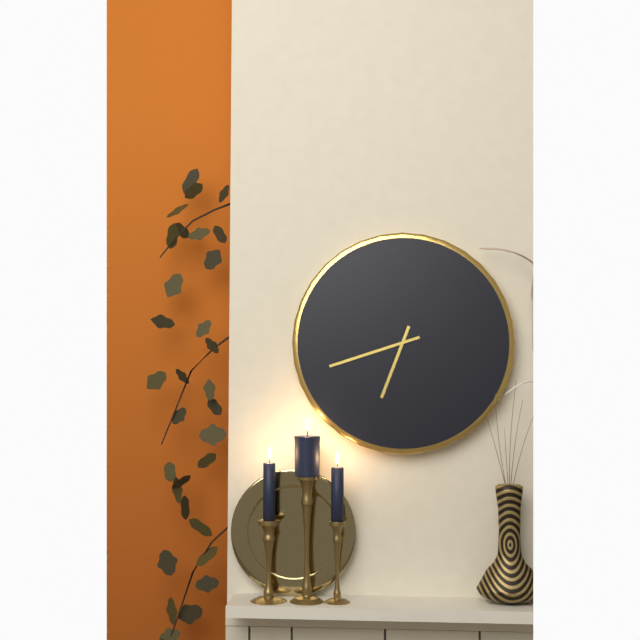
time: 6:42
